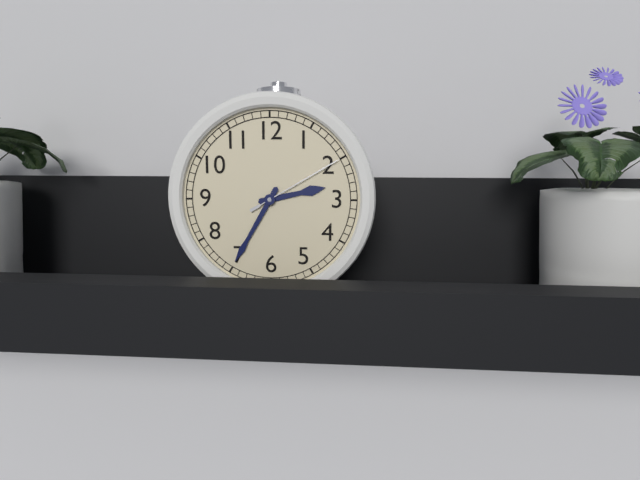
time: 2:35:10
